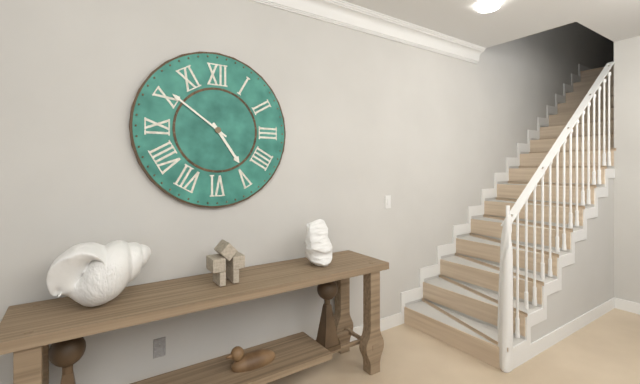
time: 4:51
